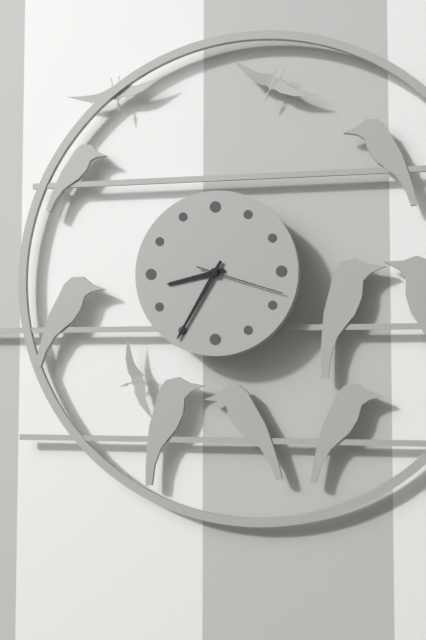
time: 8:35:18
